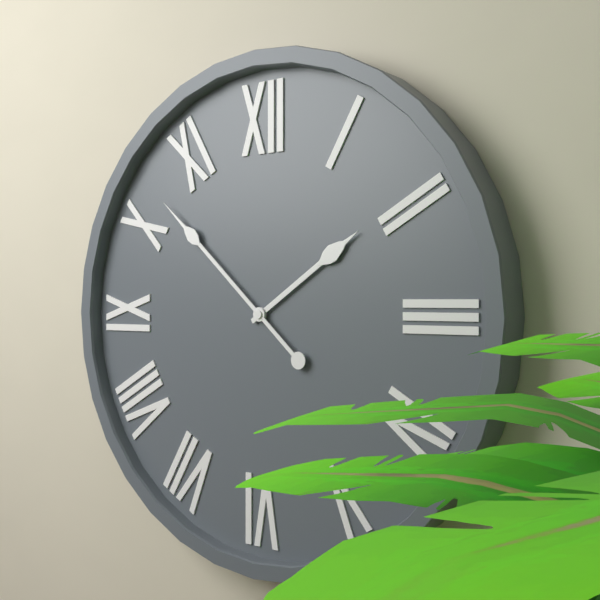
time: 1:52
